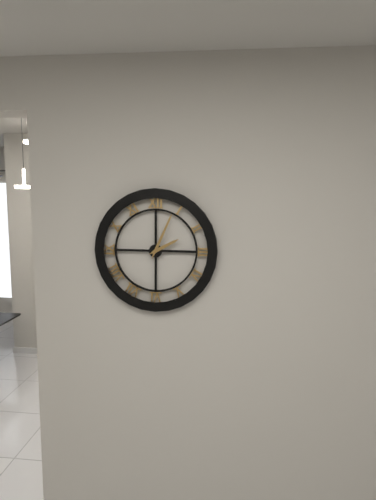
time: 2:04
